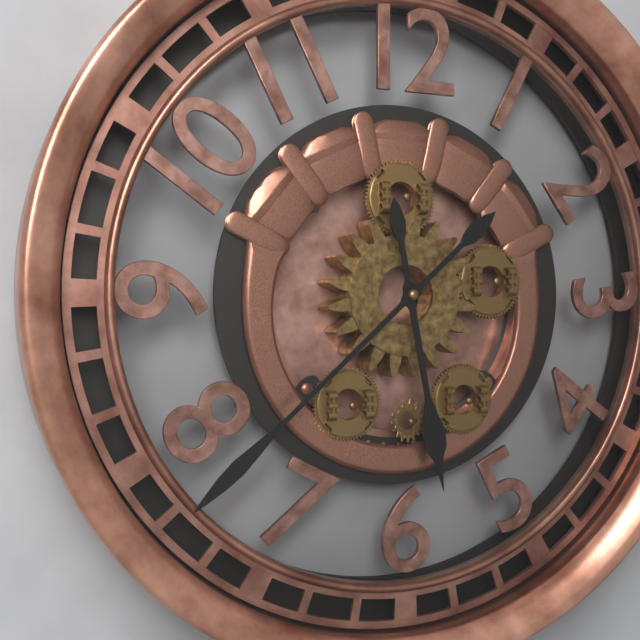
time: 5:38
